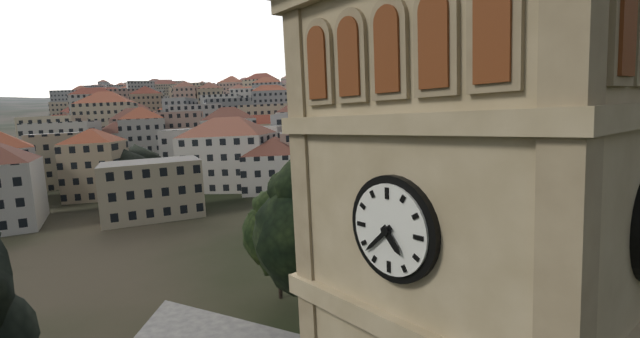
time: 4:38
